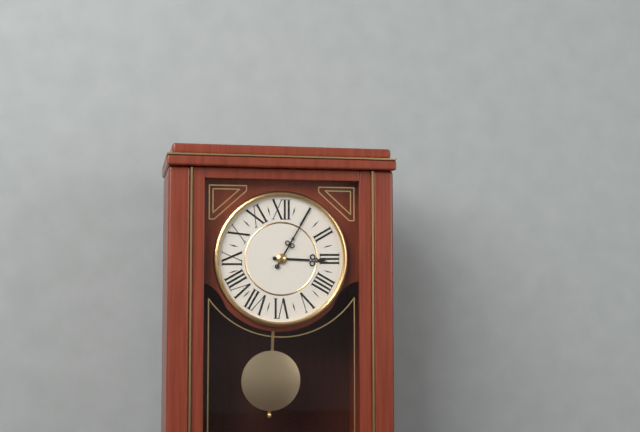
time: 3:05
